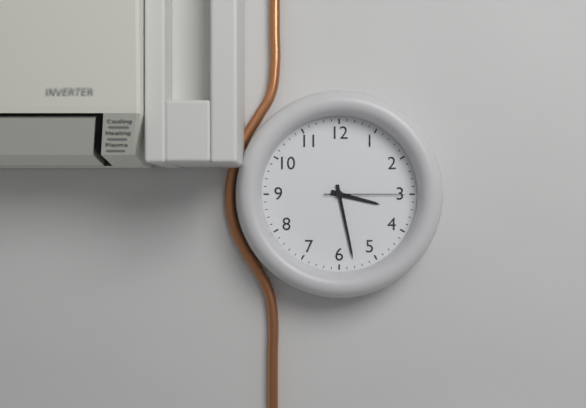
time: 3:28:15
